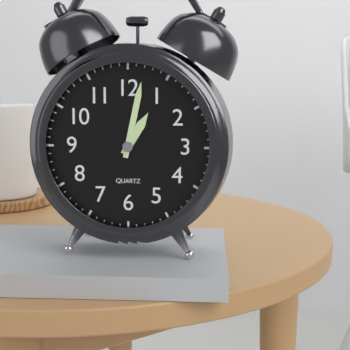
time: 1:02
